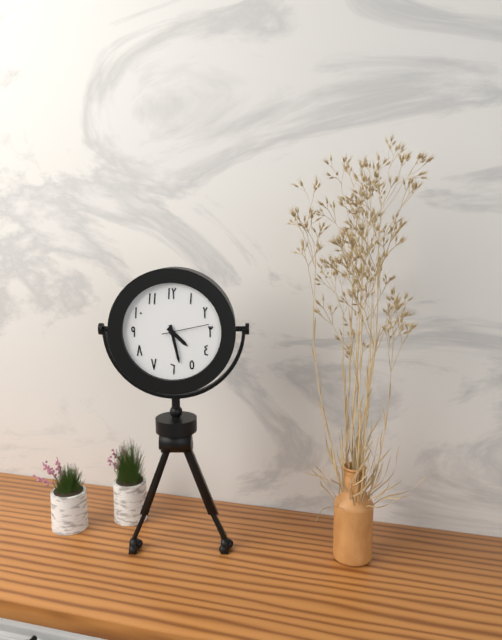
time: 4:28
